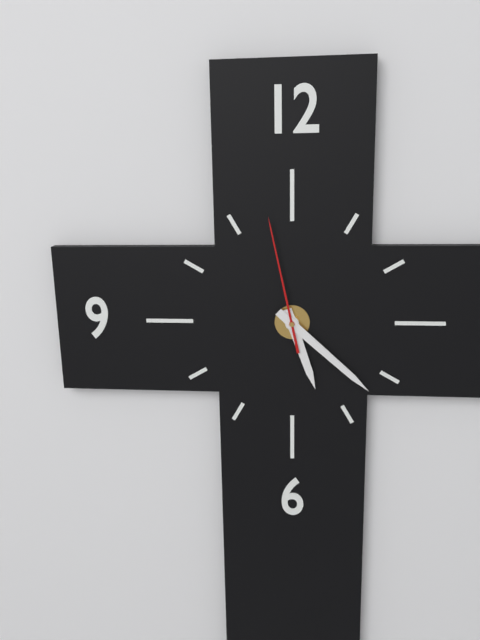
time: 5:22:58
